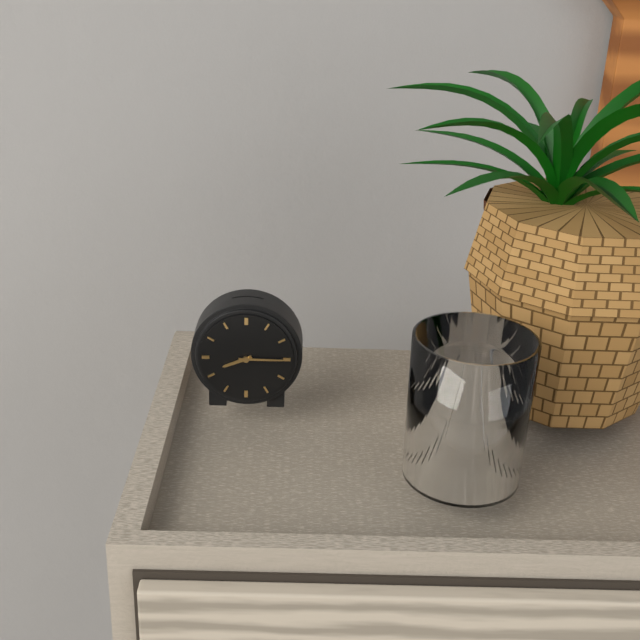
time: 8:15
